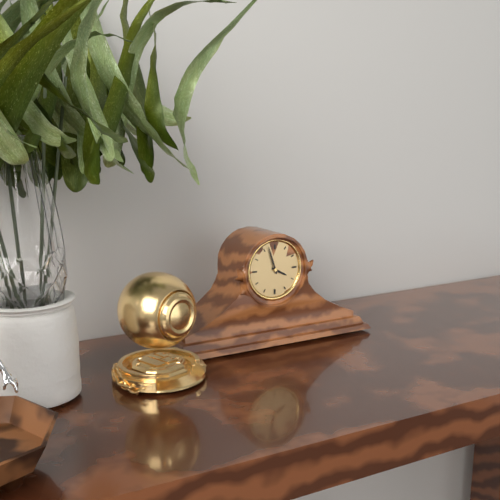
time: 3:57
